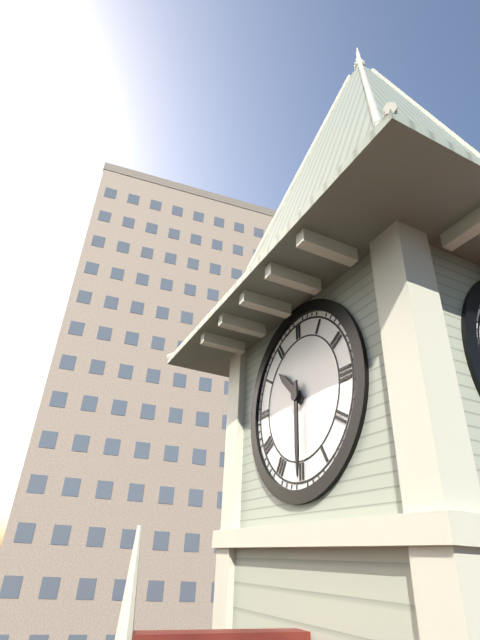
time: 10:30
